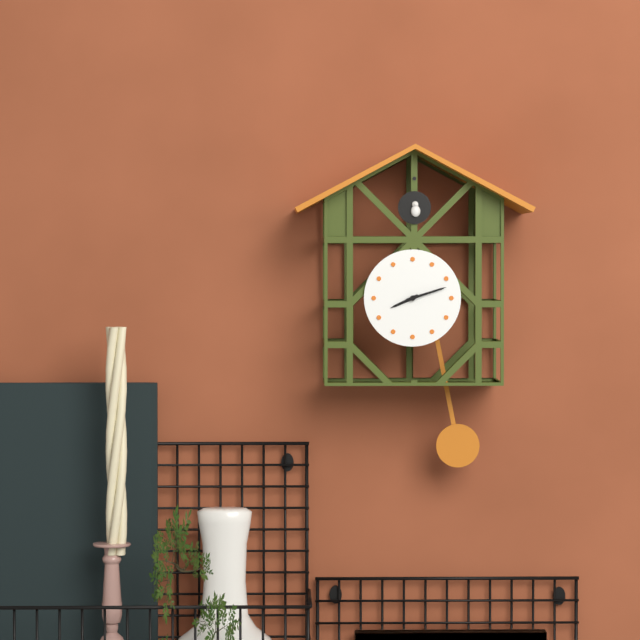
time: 8:12
